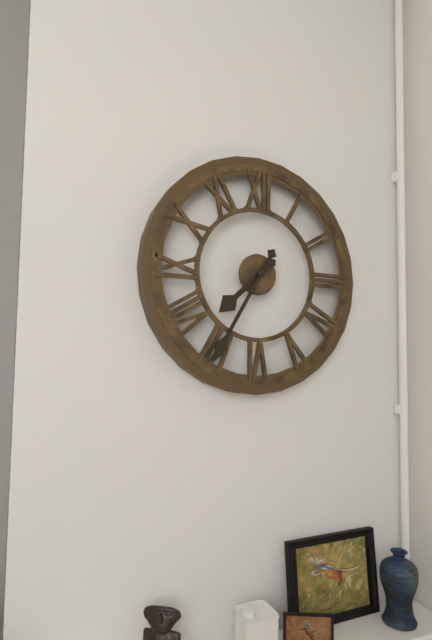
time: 7:35
